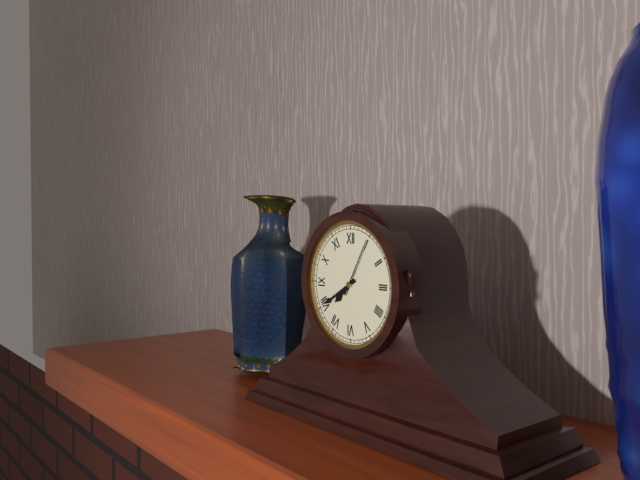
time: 7:40:05
